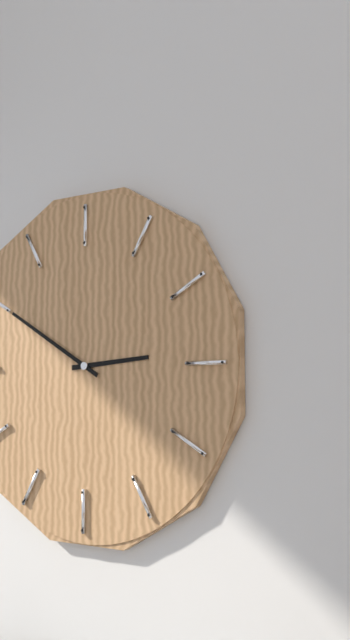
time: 2:50
